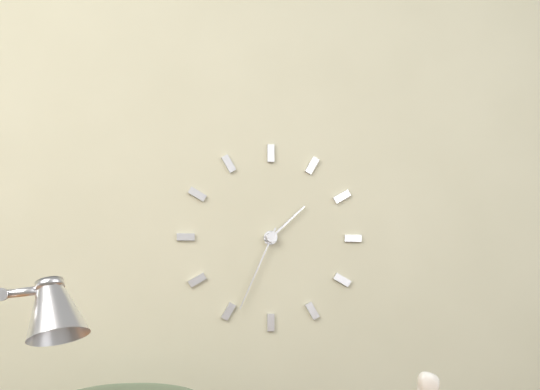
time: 1:34
